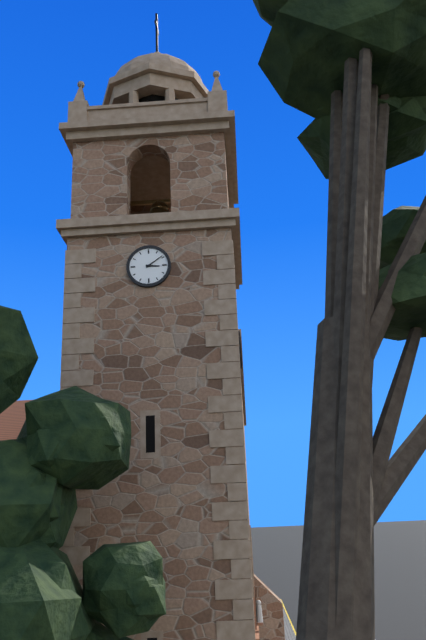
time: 3:09
